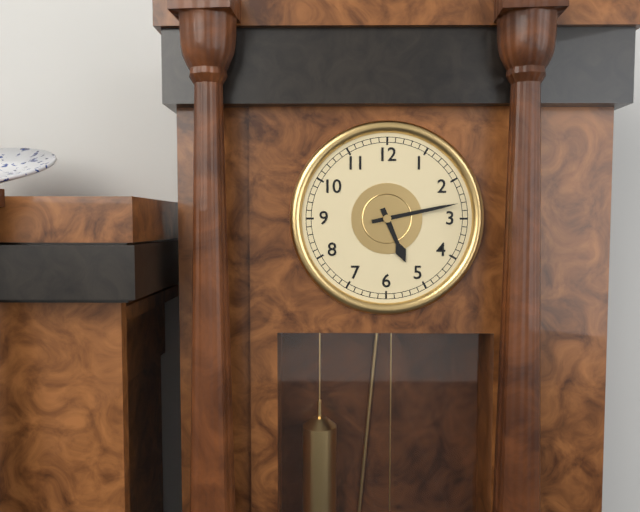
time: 5:13
